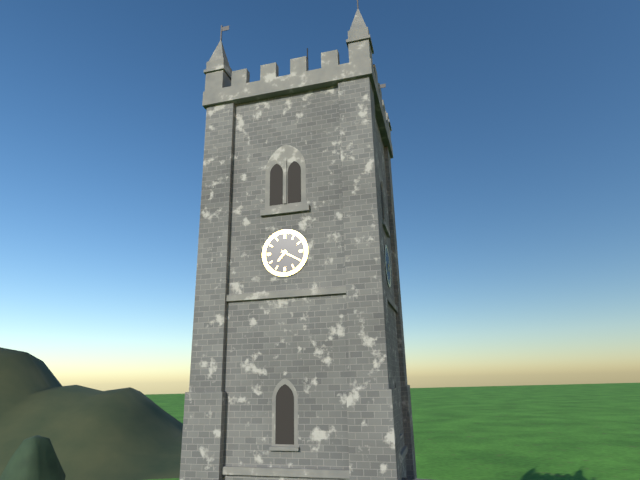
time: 7:20
